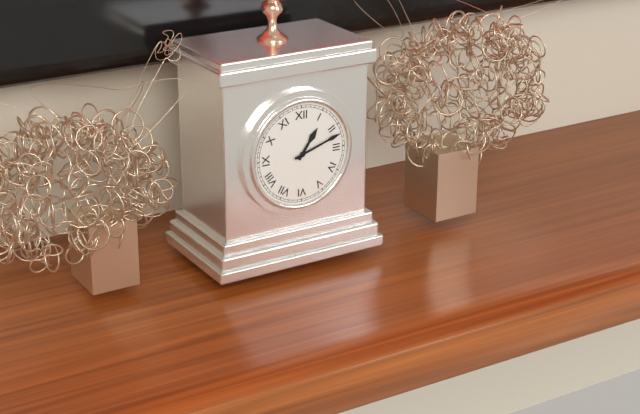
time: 1:12
